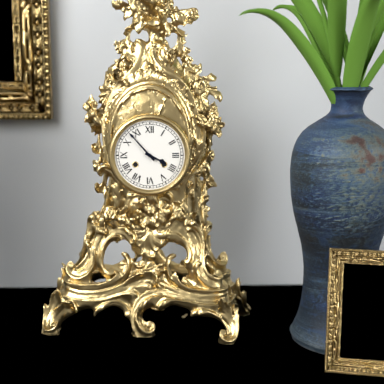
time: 3:53
